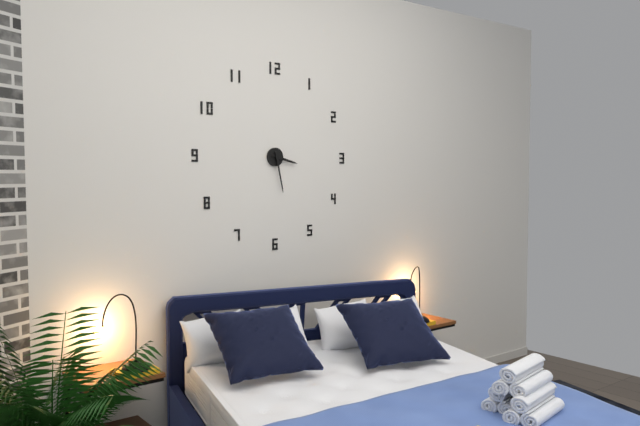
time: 3:28
